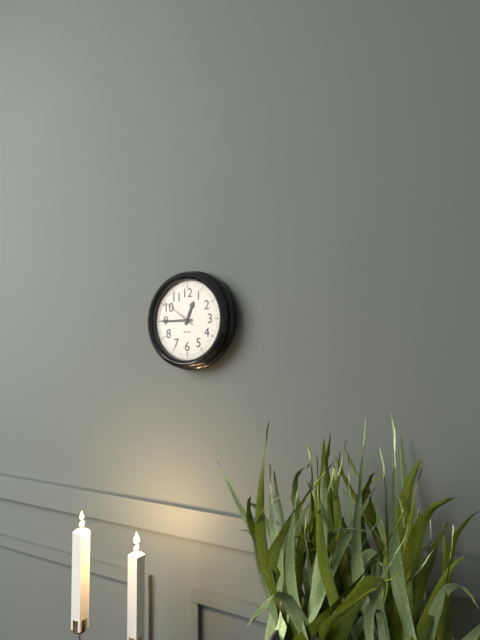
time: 12:45
